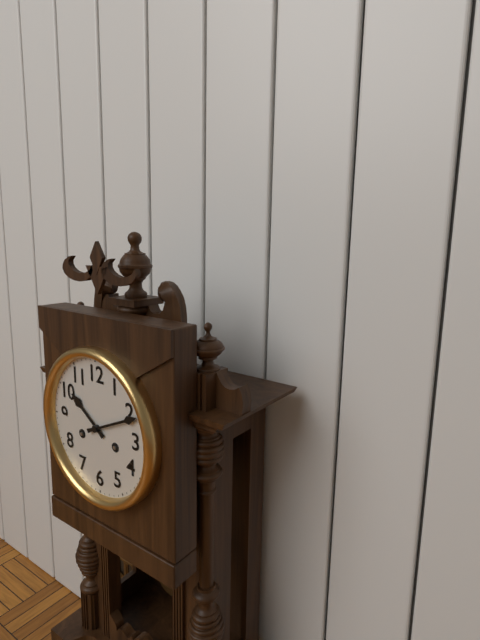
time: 10:11
